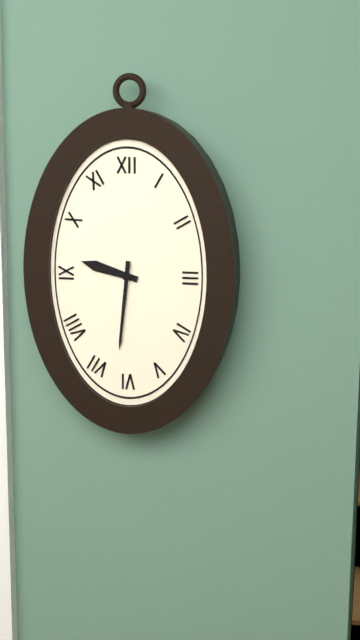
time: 9:31
